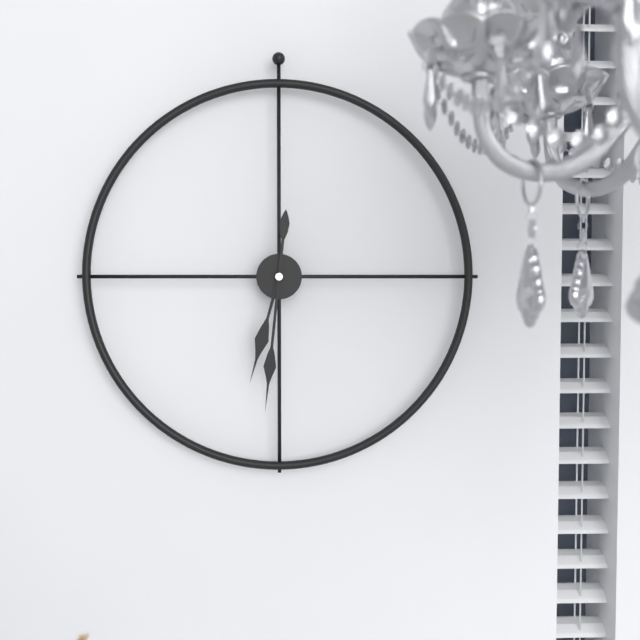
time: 6:31
